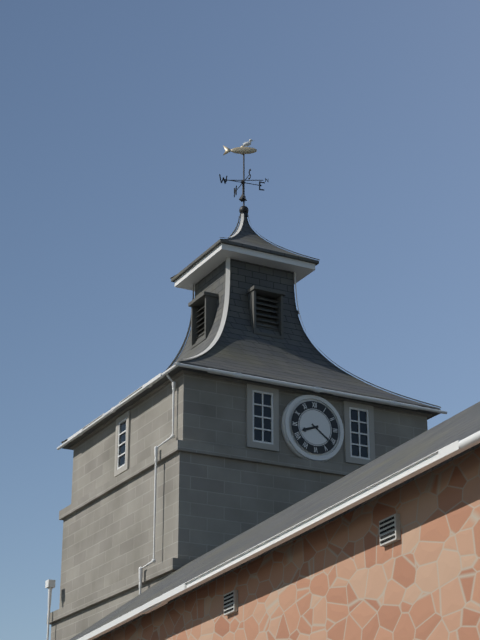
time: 8:21
